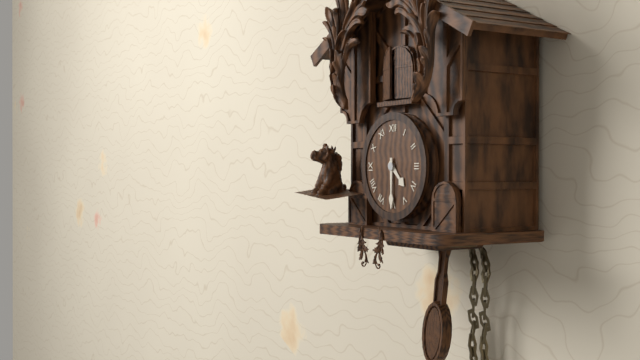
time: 4:30
